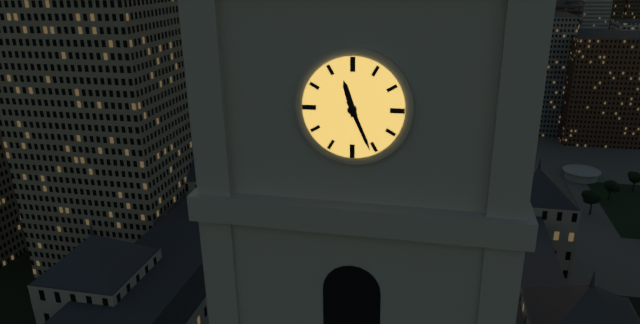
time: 11:26
